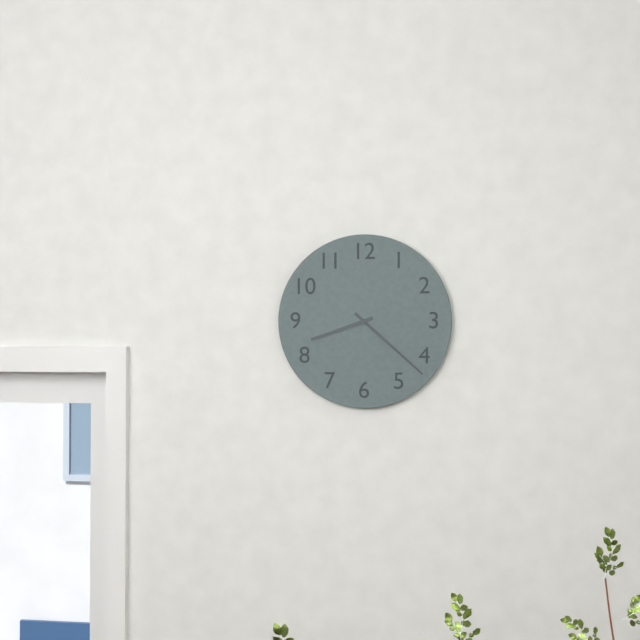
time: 8:22
